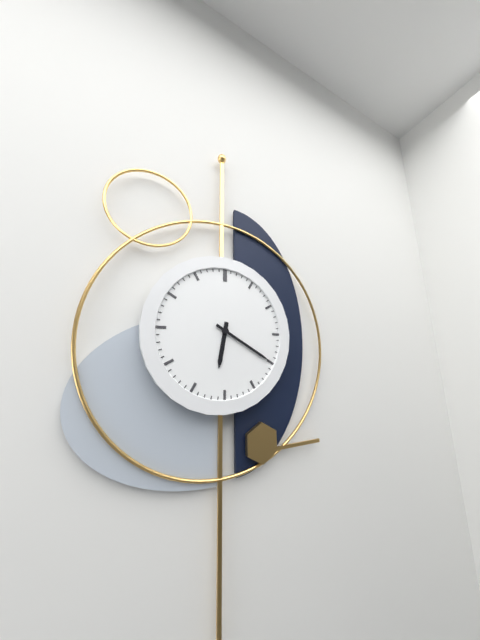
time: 6:20
